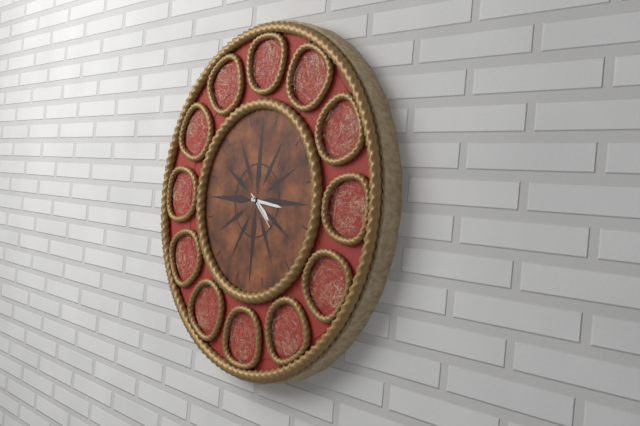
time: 4:16
